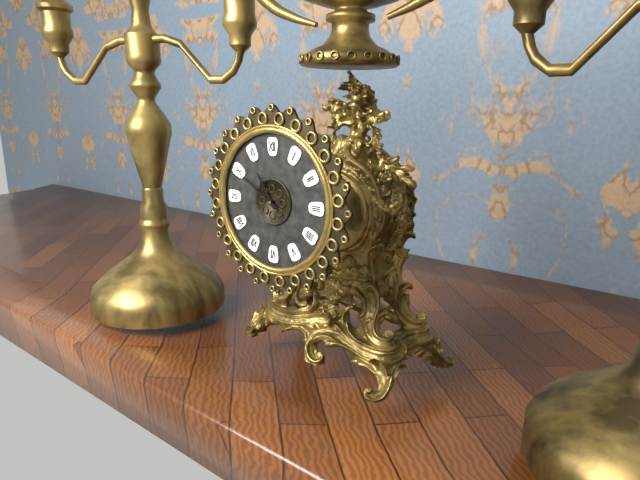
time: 10:50
